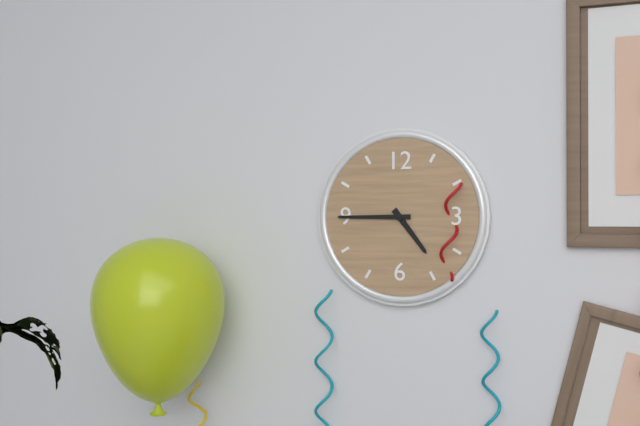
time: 4:45
